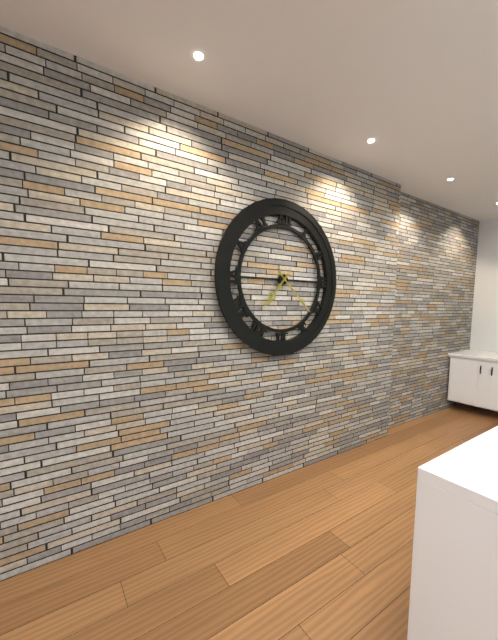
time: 7:22
